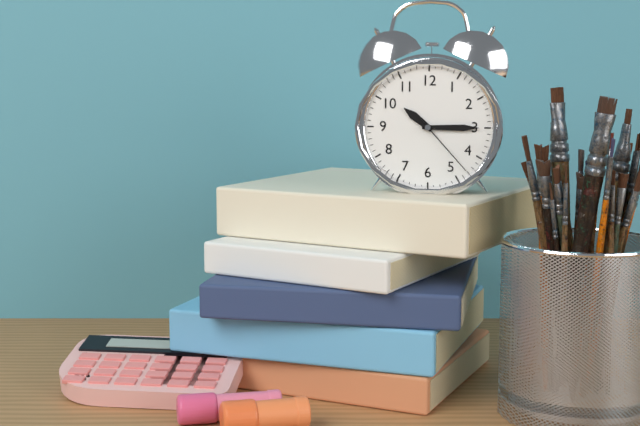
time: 10:15:23
